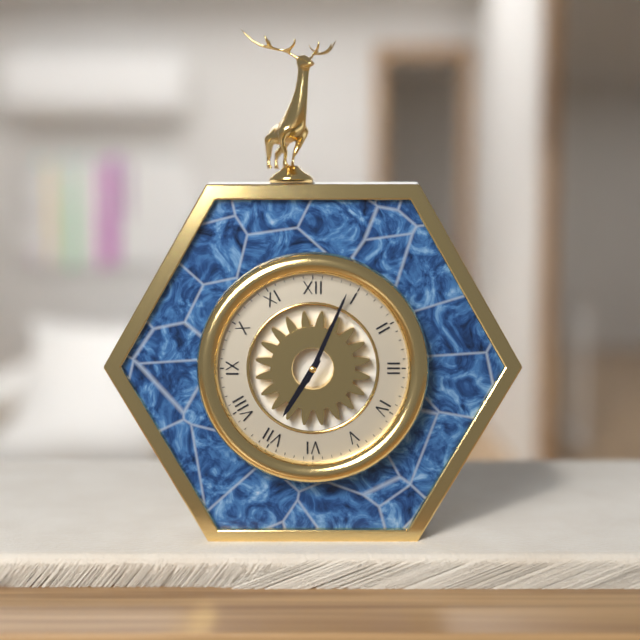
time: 7:04
